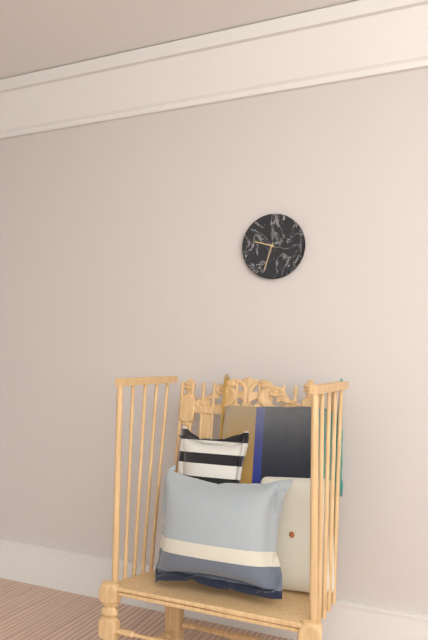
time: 9:33
